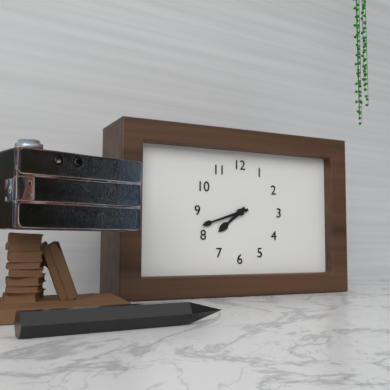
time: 7:42
